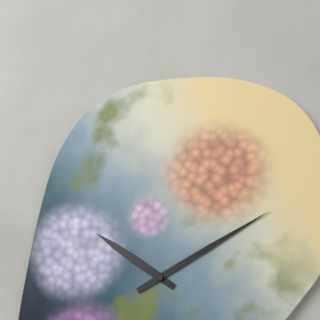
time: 10:10
